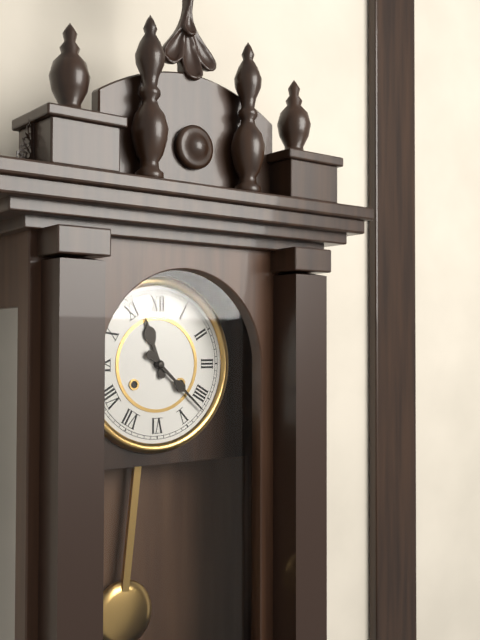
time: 11:22
